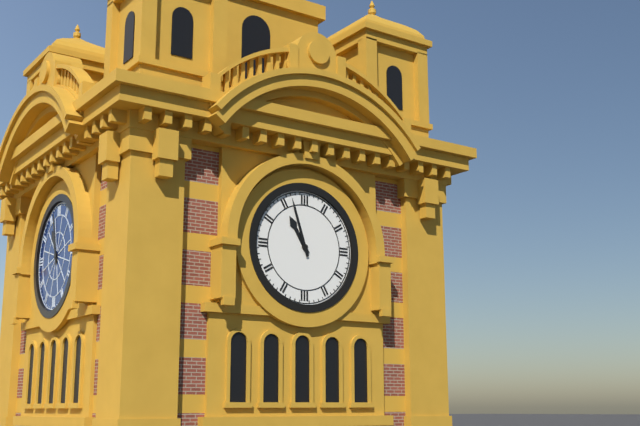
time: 10:57
